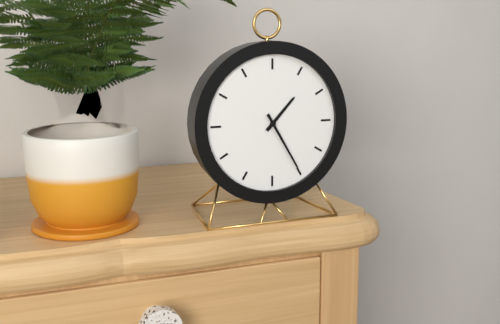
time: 1:25
